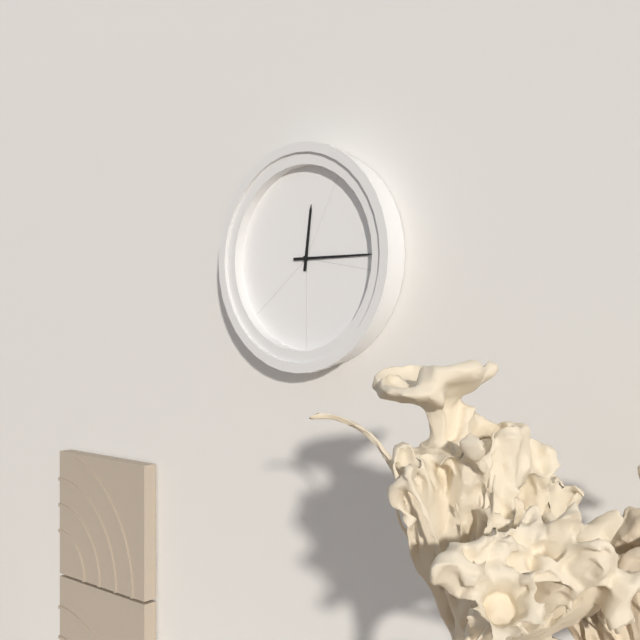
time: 12:15
